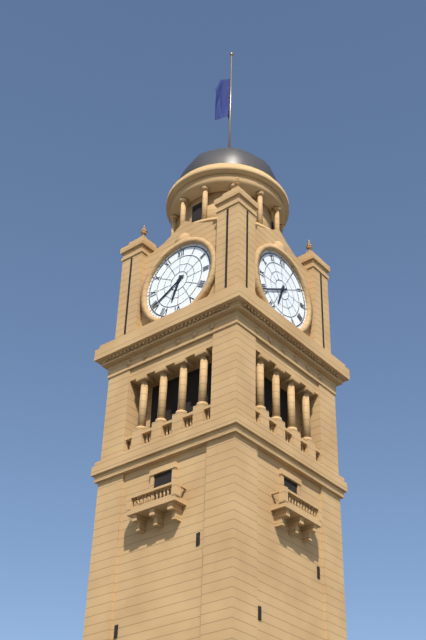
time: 6:40
